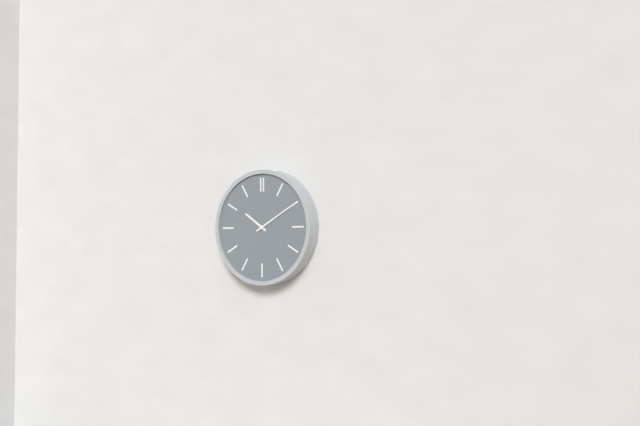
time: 10:10
